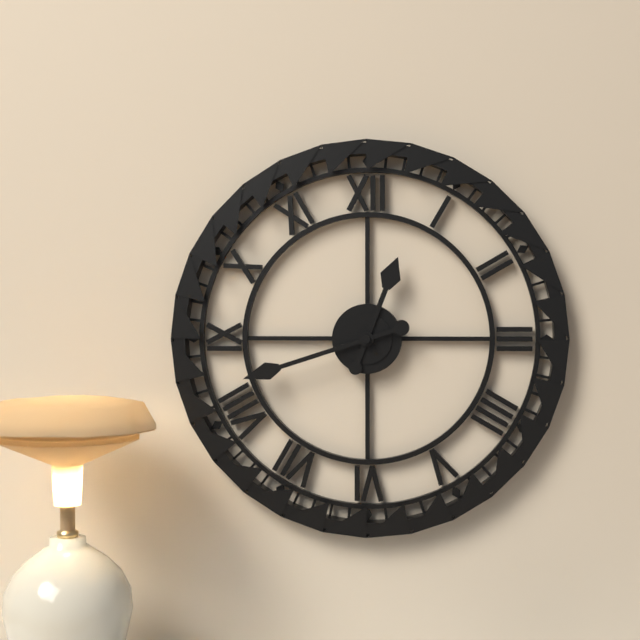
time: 12:42
